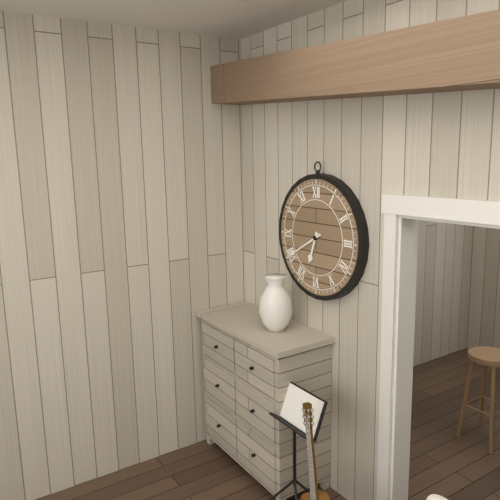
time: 6:40
